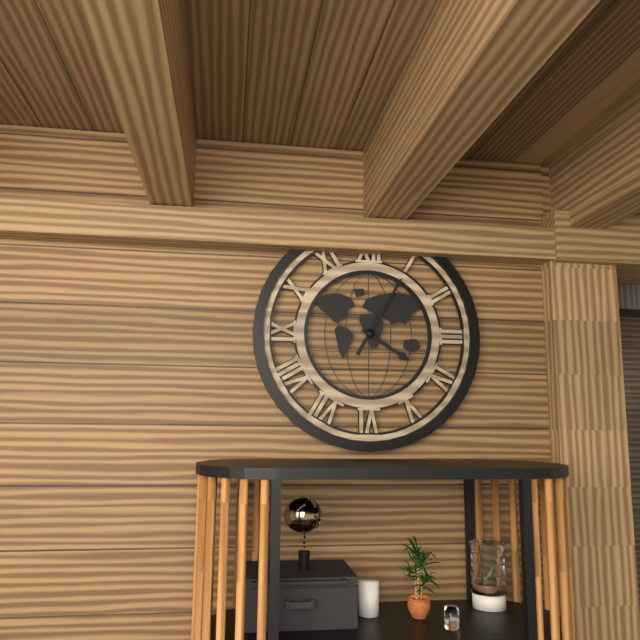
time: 4:05
